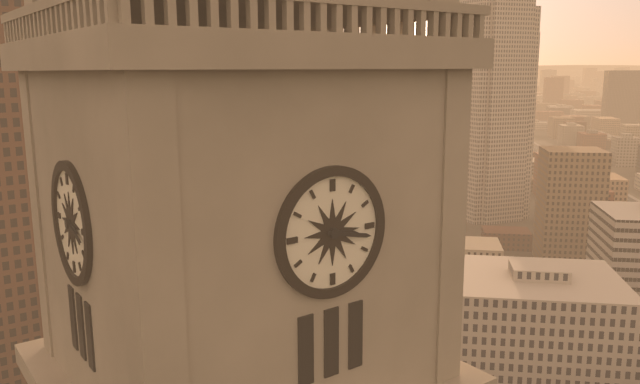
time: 3:17
